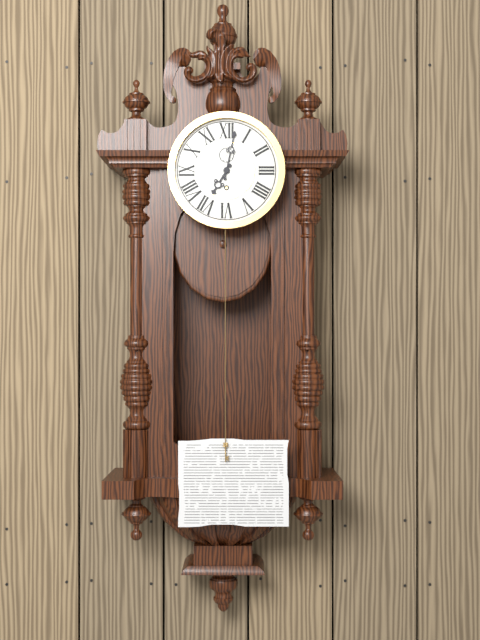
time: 7:02
